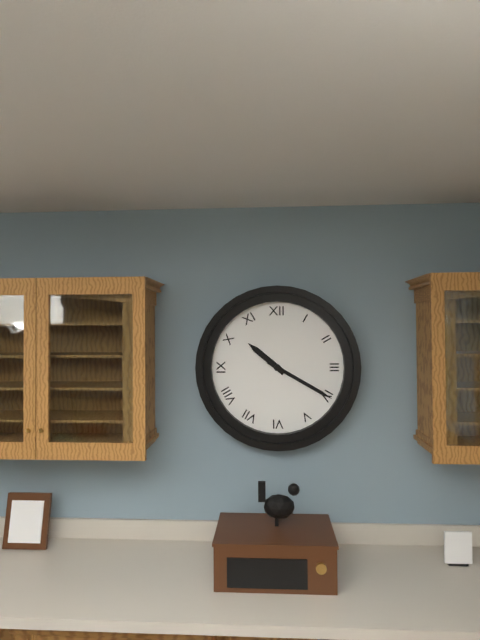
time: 10:20
